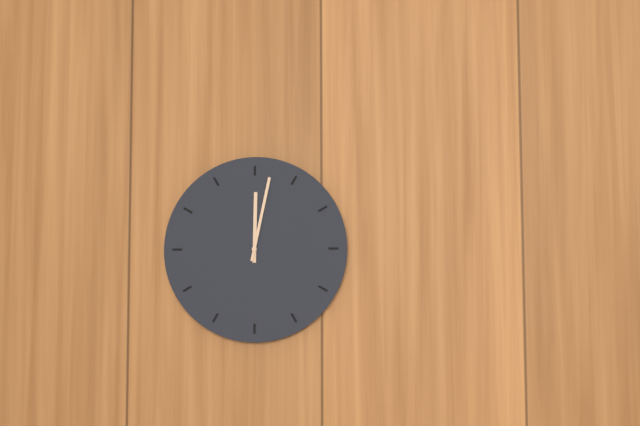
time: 12:02
